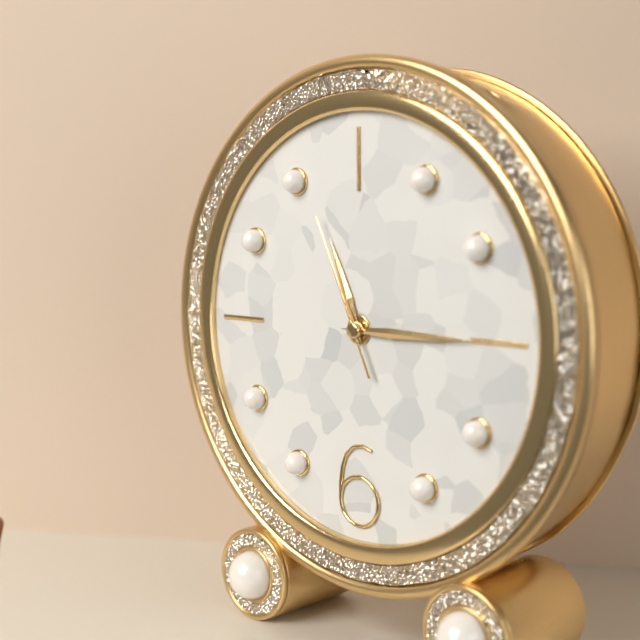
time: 11:15:56
